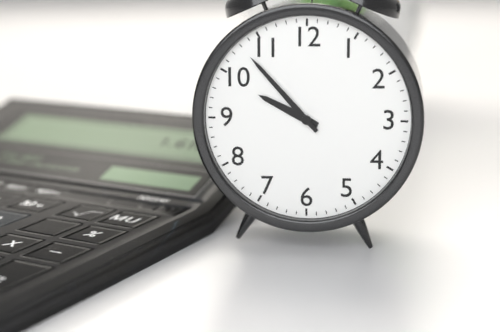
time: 9:53
